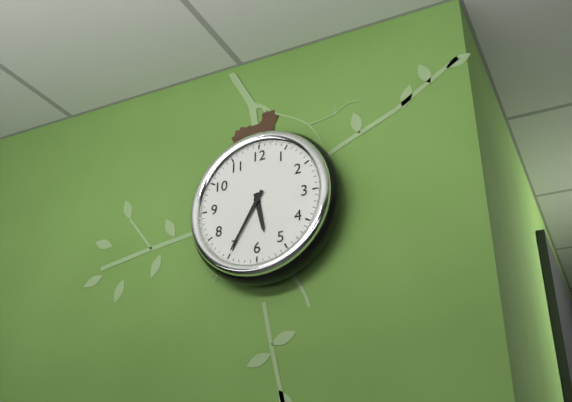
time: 5:35
